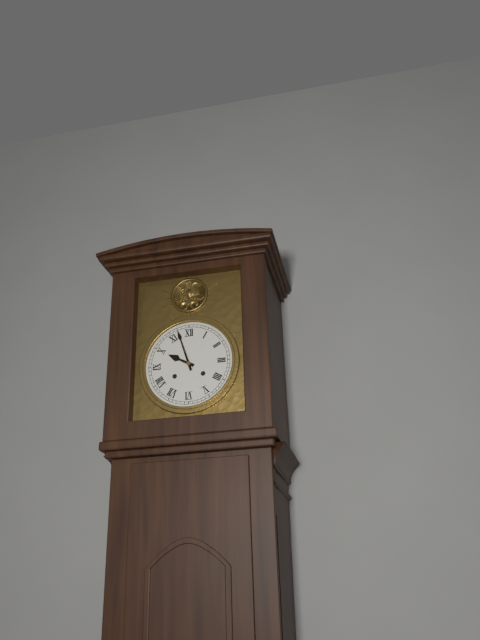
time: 9:57
